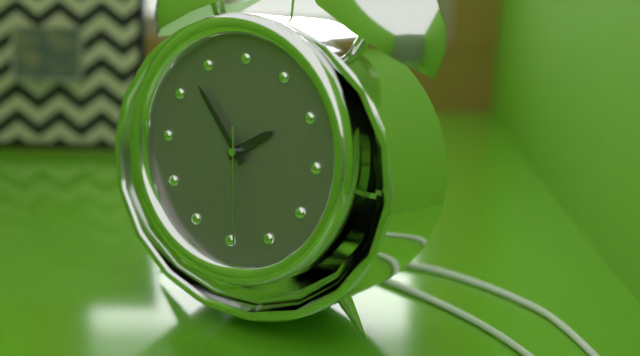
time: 1:53:29
